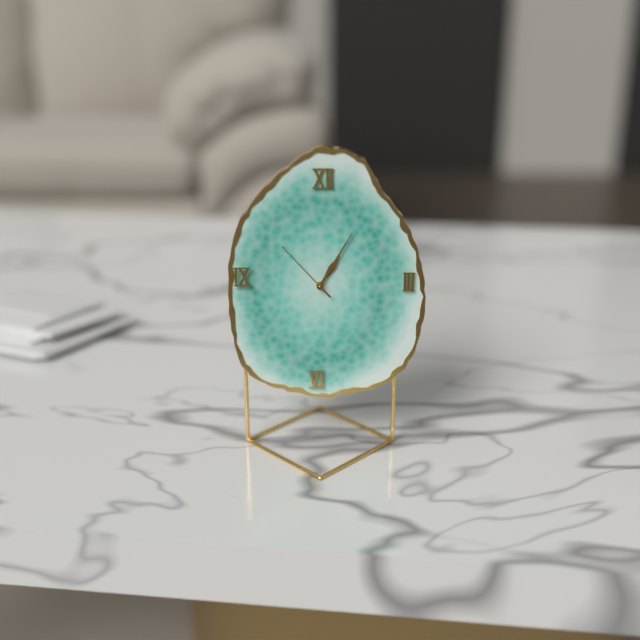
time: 1:05:53
